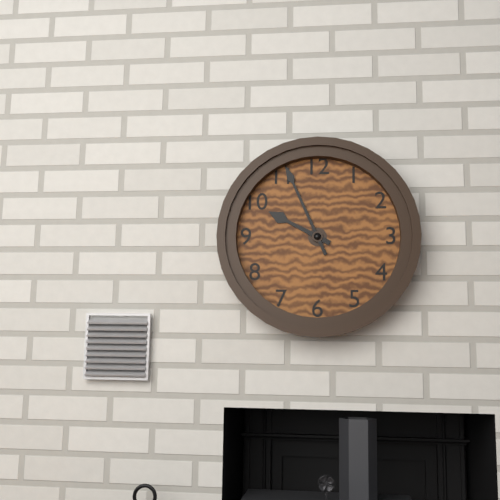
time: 9:56
